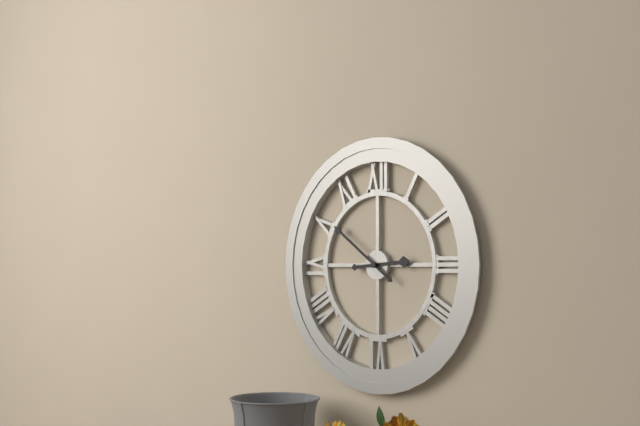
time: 2:51
